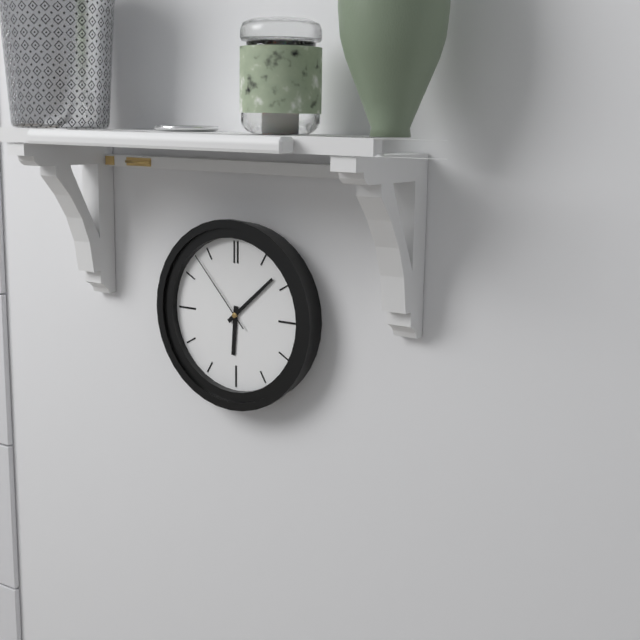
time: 6:08:53
